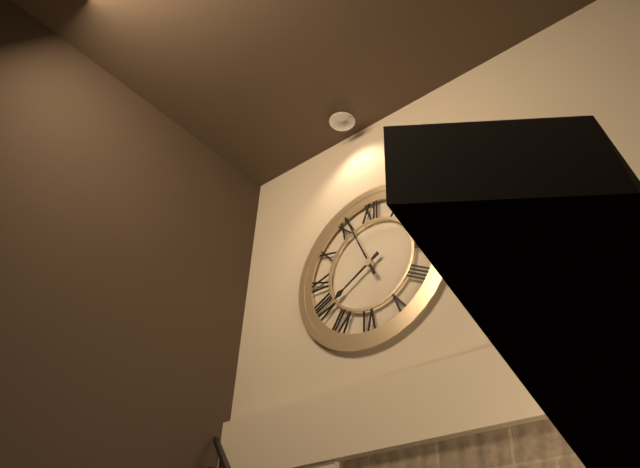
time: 7:56
